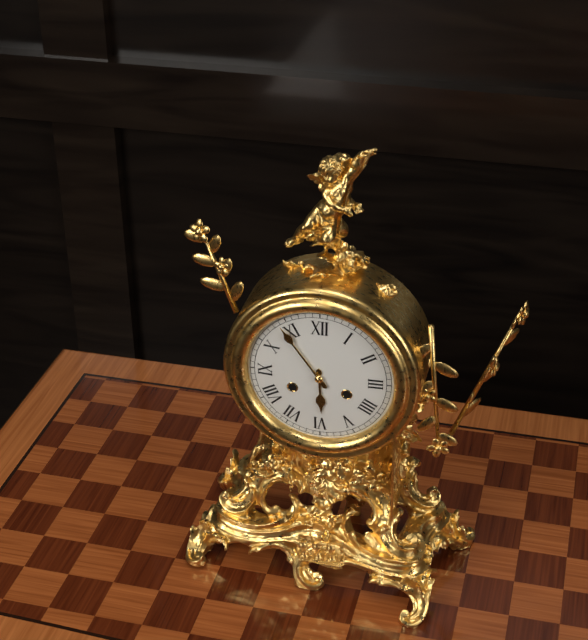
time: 5:54
